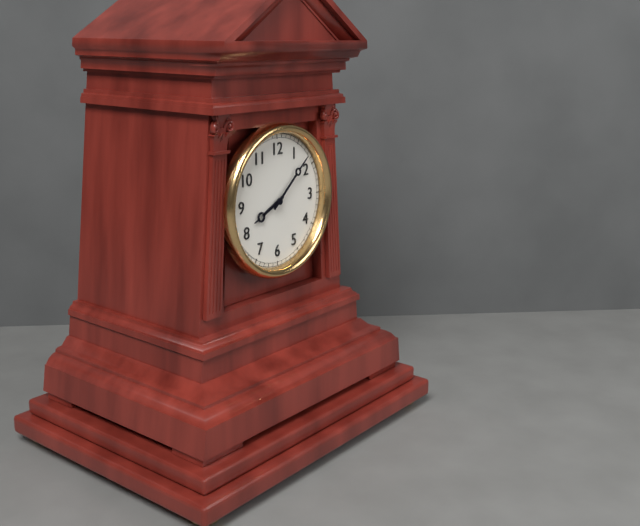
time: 8:08
